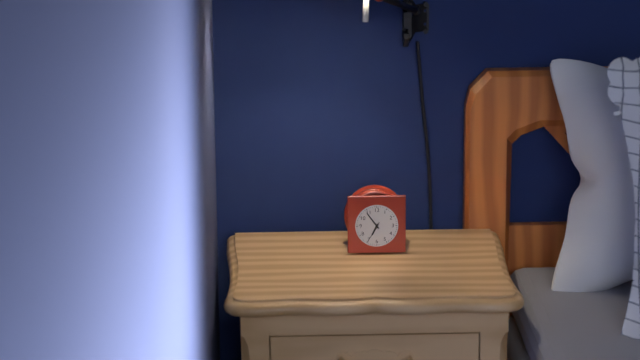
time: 6:54
